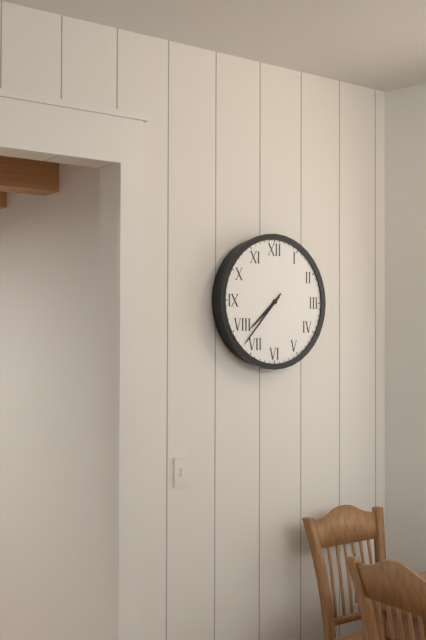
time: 7:37
